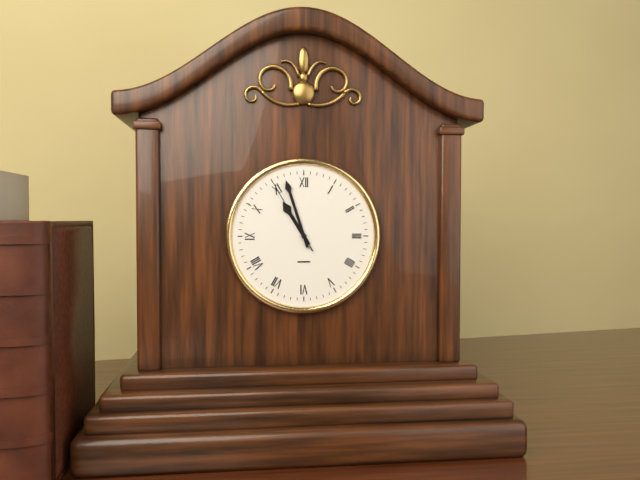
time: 10:57:55
